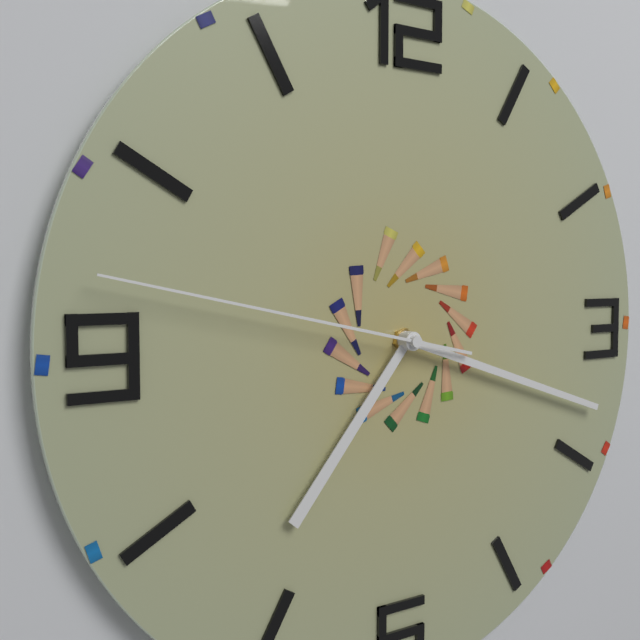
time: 7:18:47
